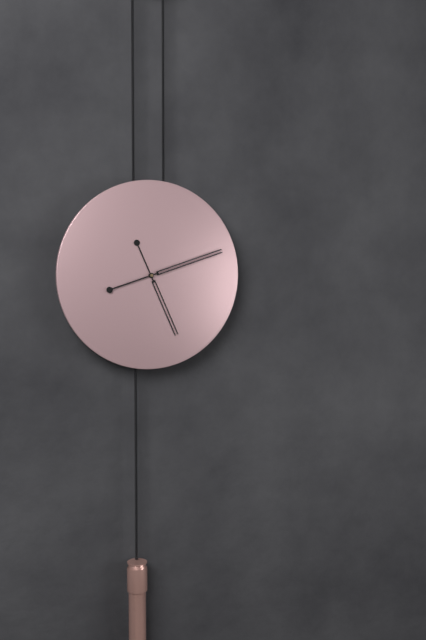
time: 5:12
